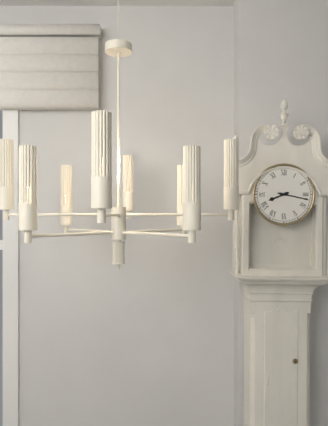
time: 8:17
